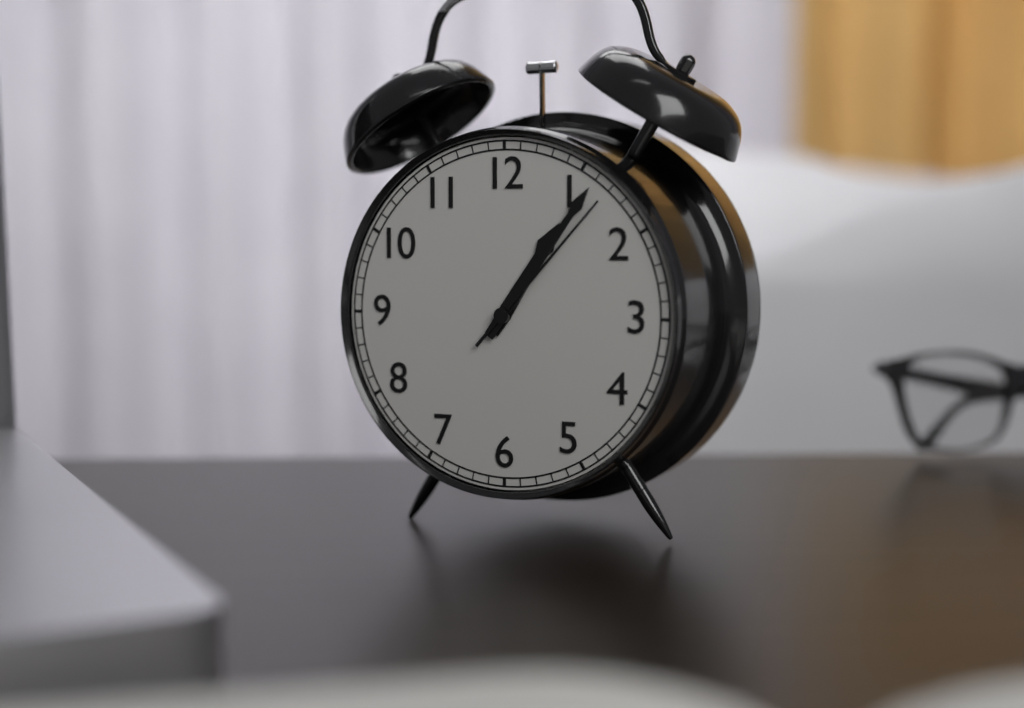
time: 1:06:07
